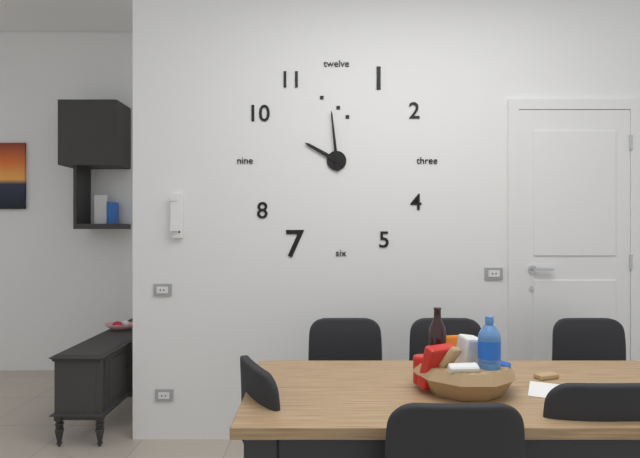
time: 9:59
